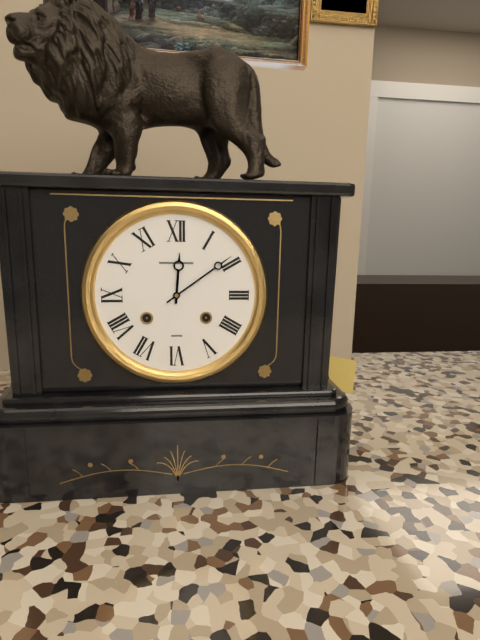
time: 12:09
